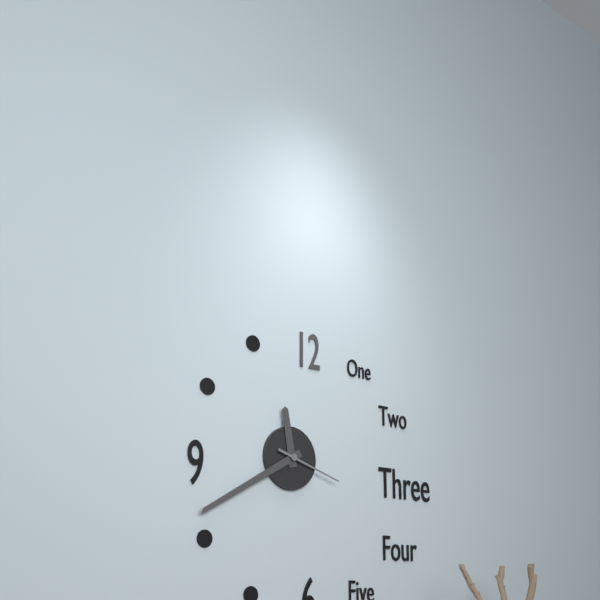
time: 11:40:18
